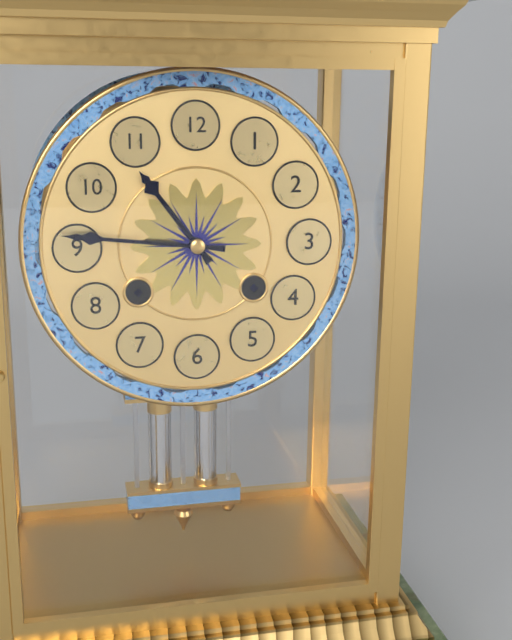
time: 10:46
